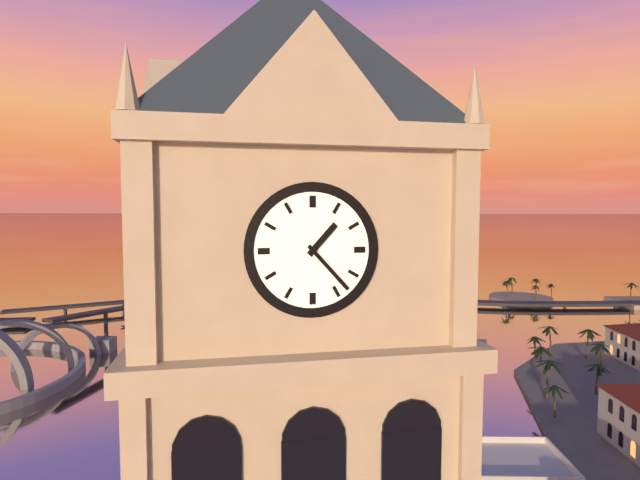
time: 1:23
